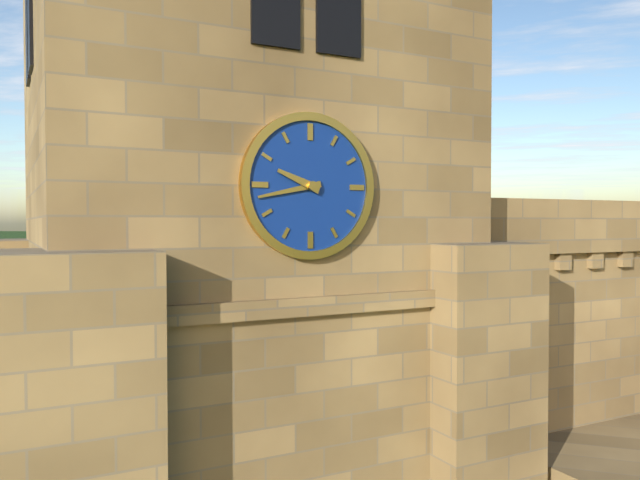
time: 9:43
